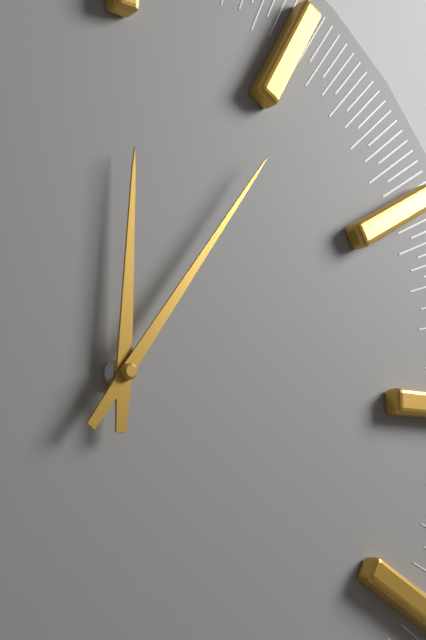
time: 12:06
